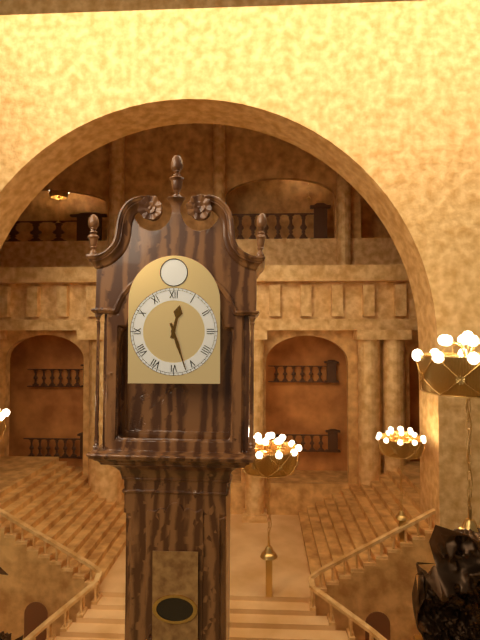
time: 12:27
